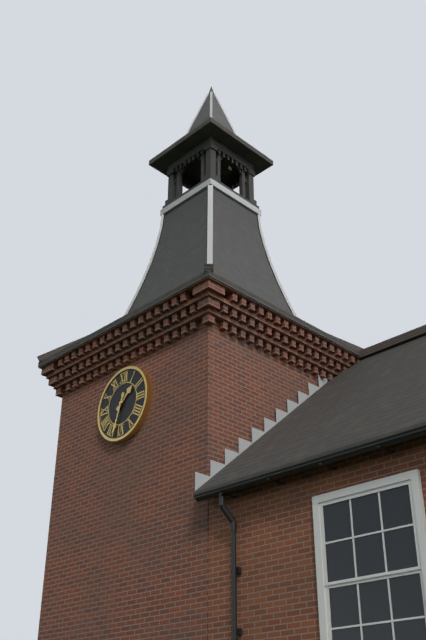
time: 1:33
